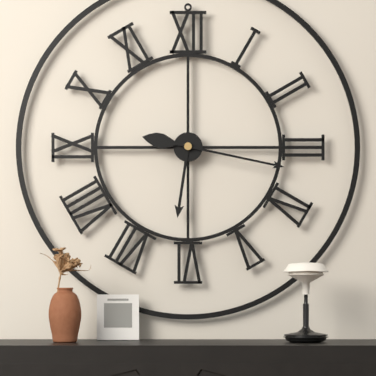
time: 6:17
